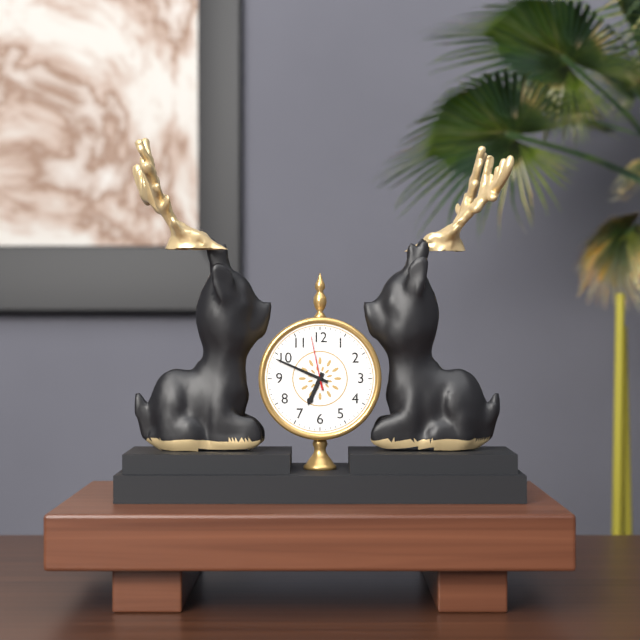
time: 6:49:58
